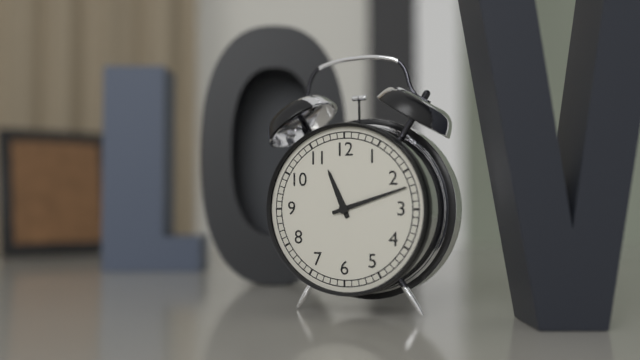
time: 11:12
